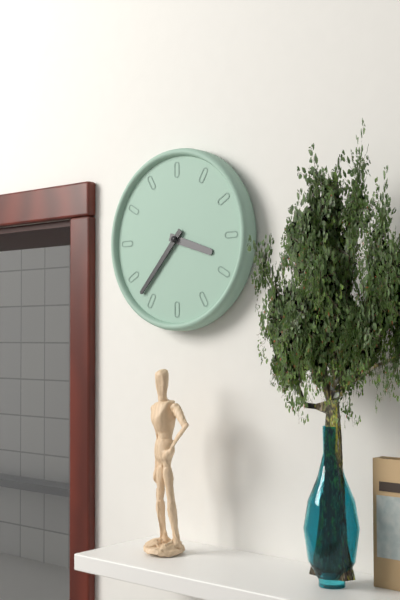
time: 3:37
